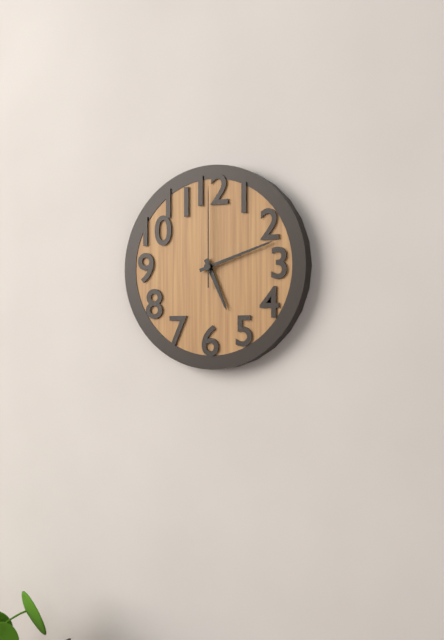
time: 5:12:00
